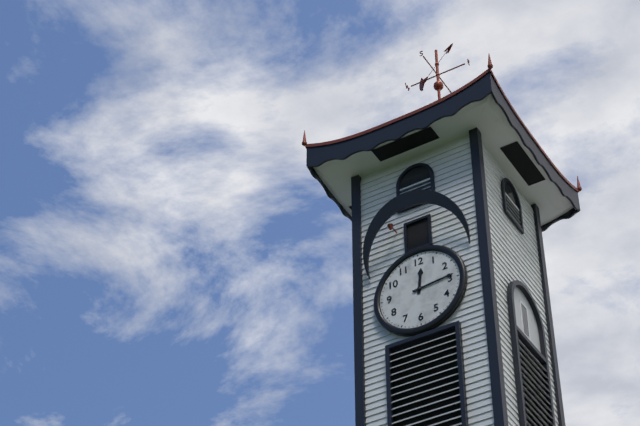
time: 12:14
